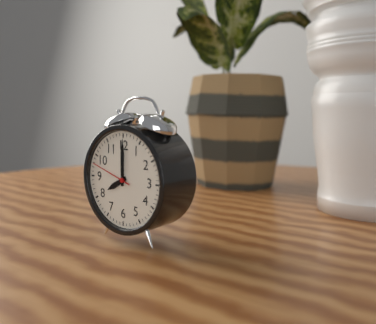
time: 8:00:48
